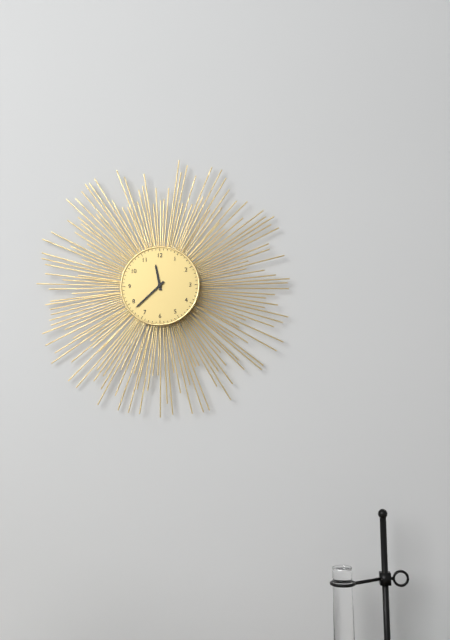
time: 11:38
